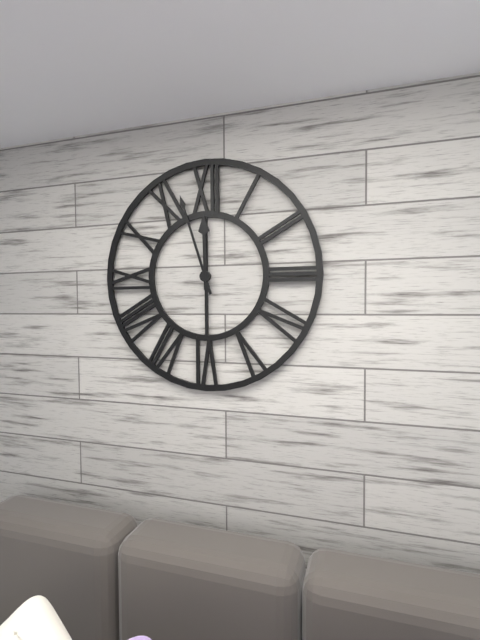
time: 11:57
